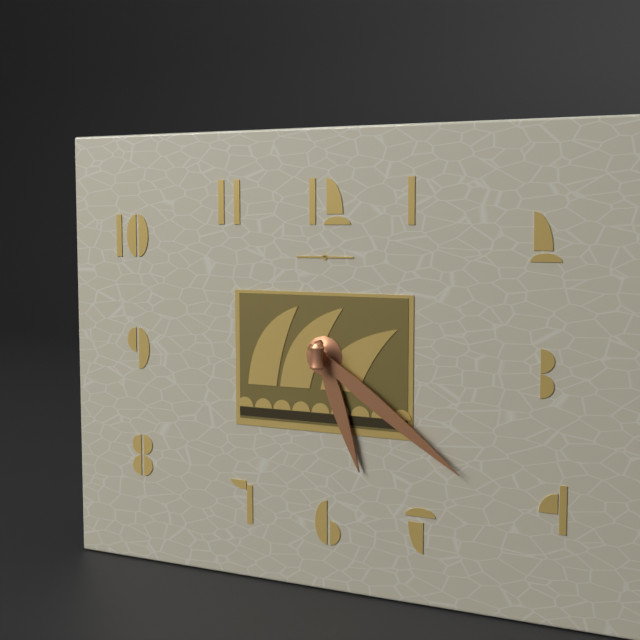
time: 5:21
